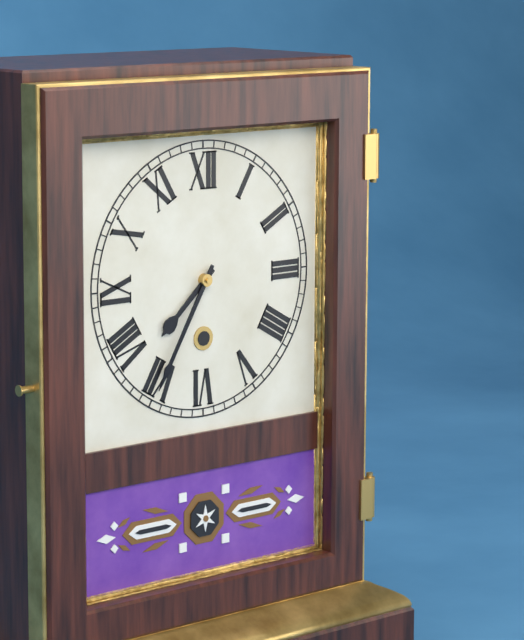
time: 7:35
